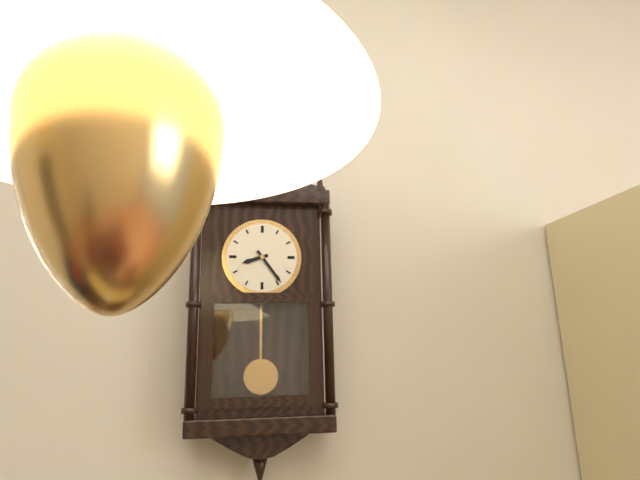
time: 8:24
